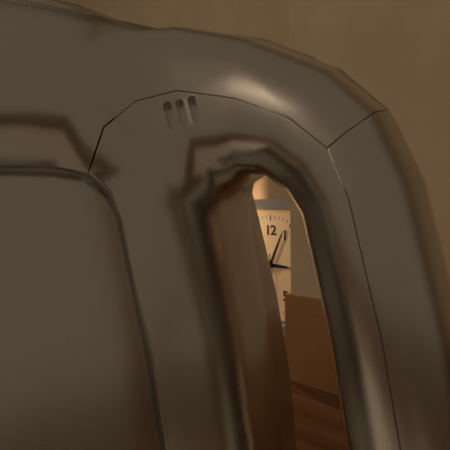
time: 3:04
